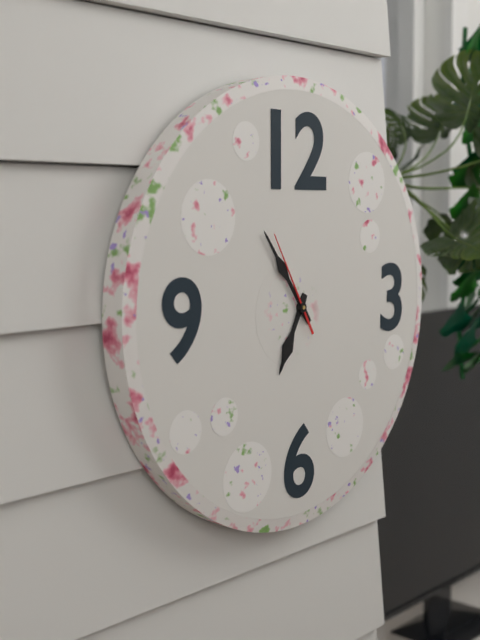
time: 6:54:55
